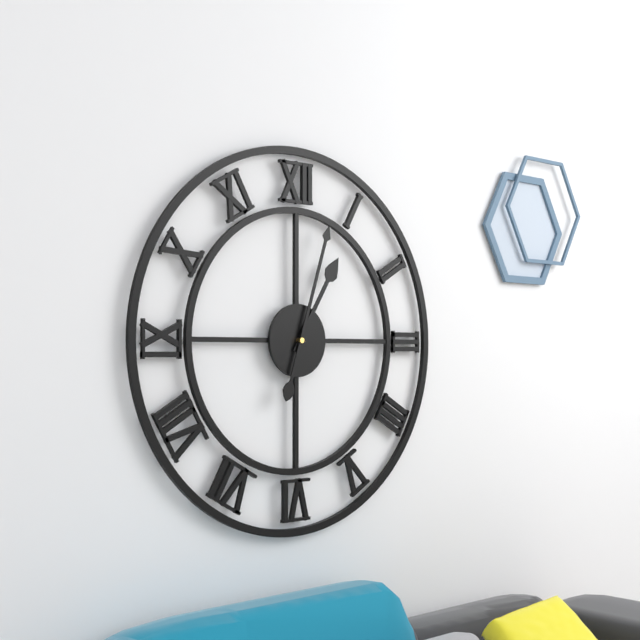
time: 1:03
